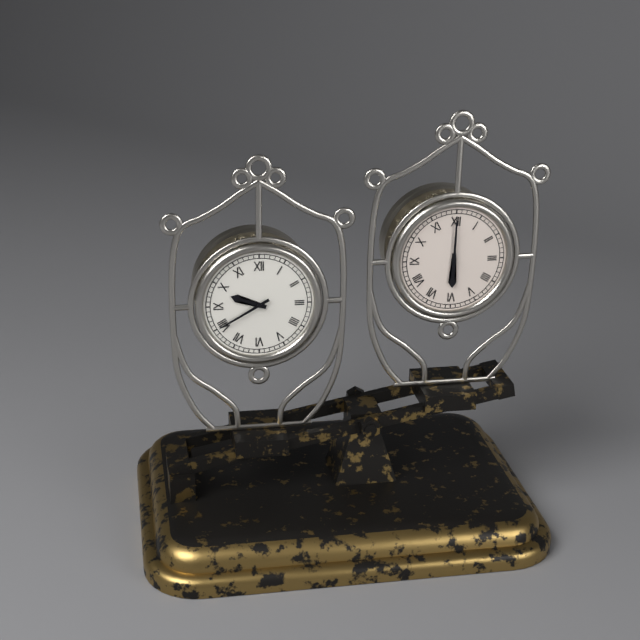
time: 9:40
